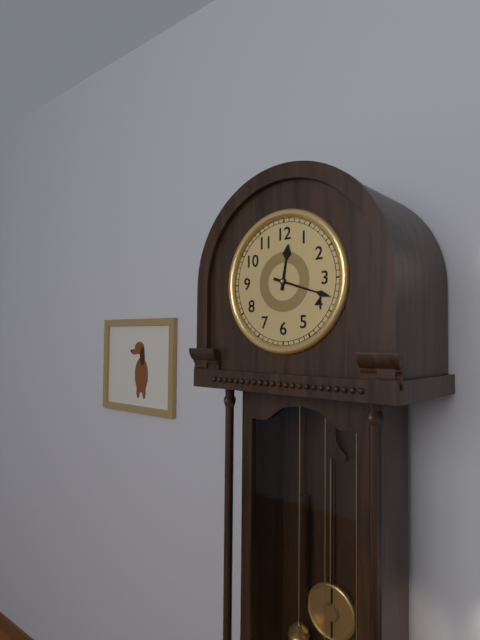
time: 12:18
